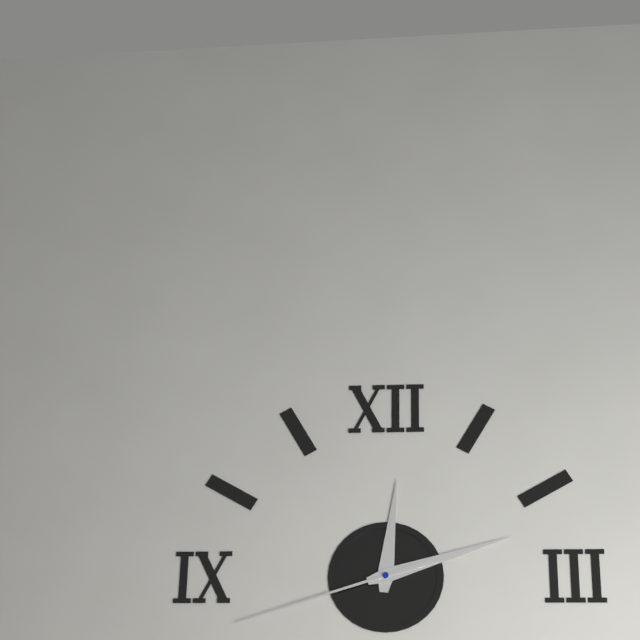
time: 12:12:42
